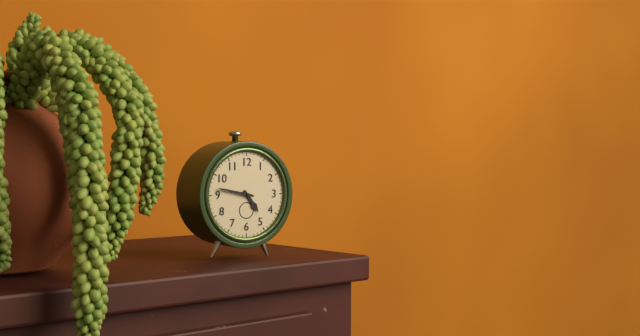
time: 4:47
